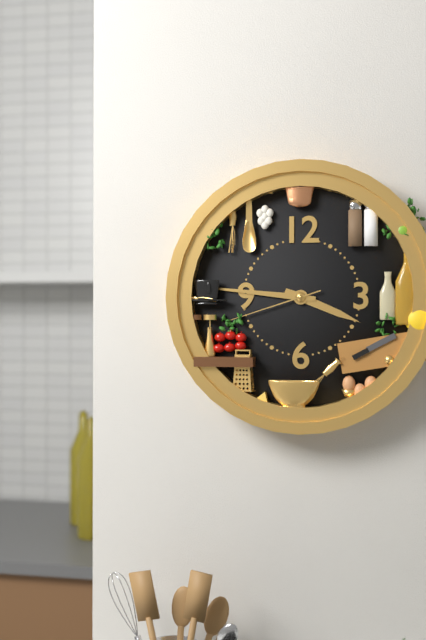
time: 3:46:42
